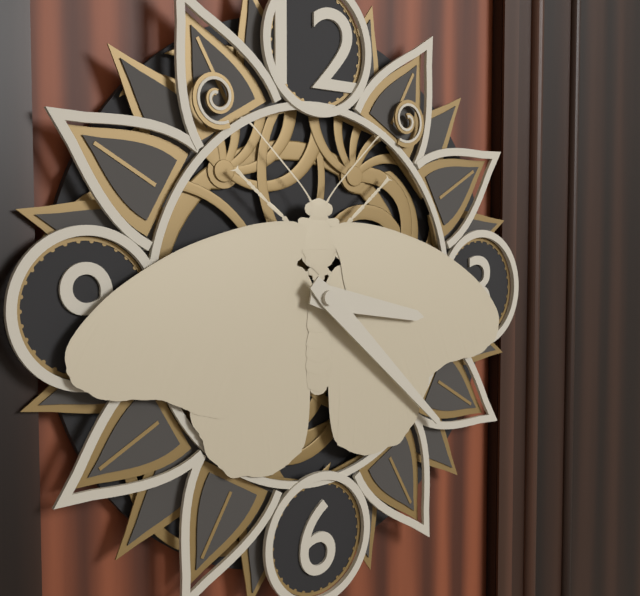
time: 3:22
